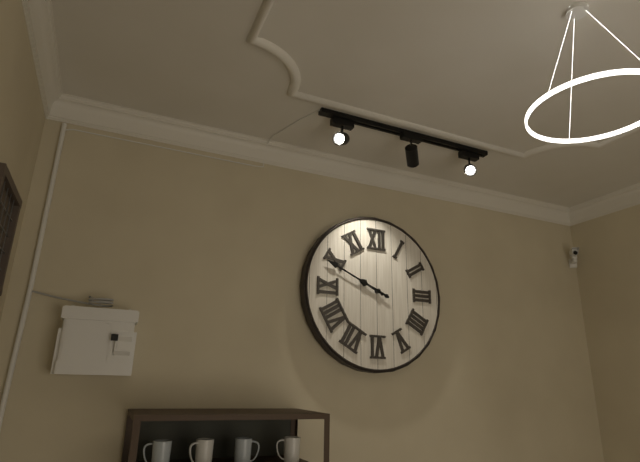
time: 9:49
